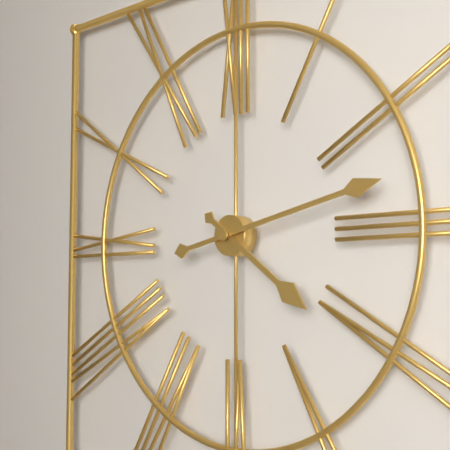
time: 4:13
